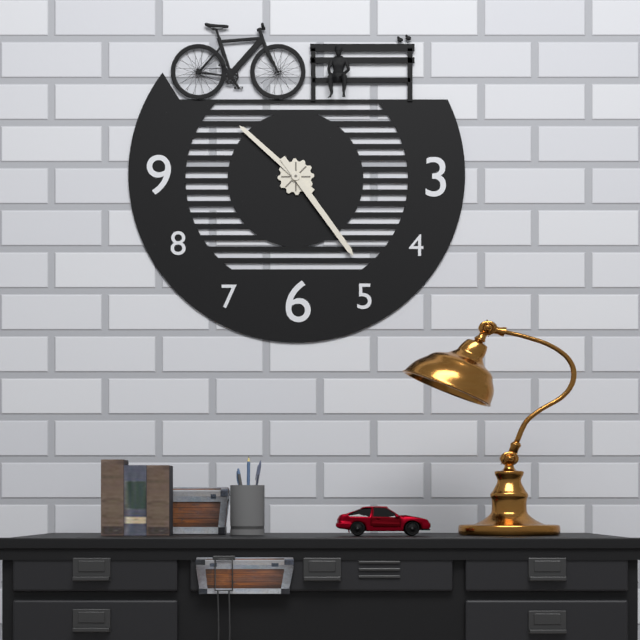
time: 10:24
